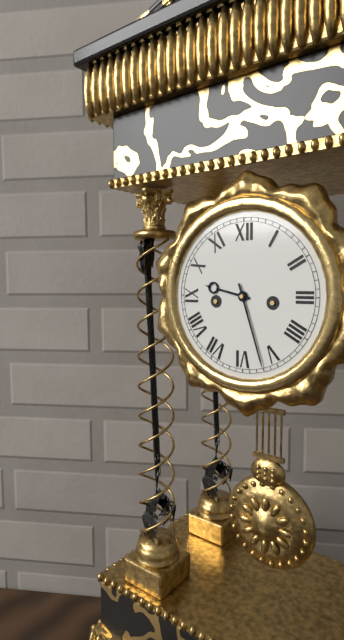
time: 9:27
